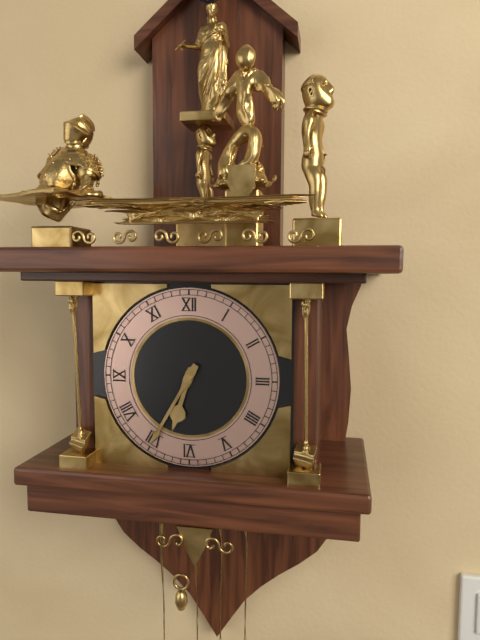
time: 6:35
